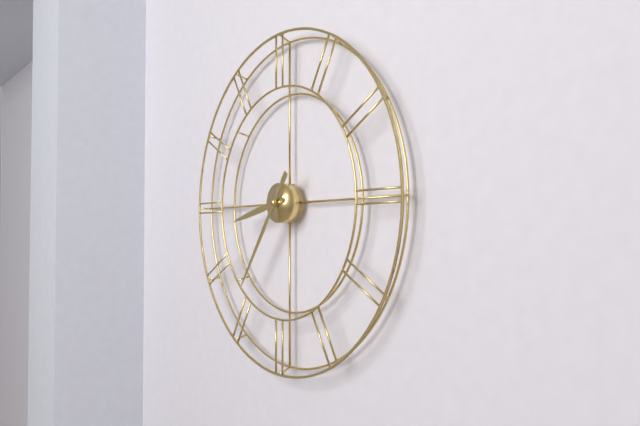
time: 8:36
